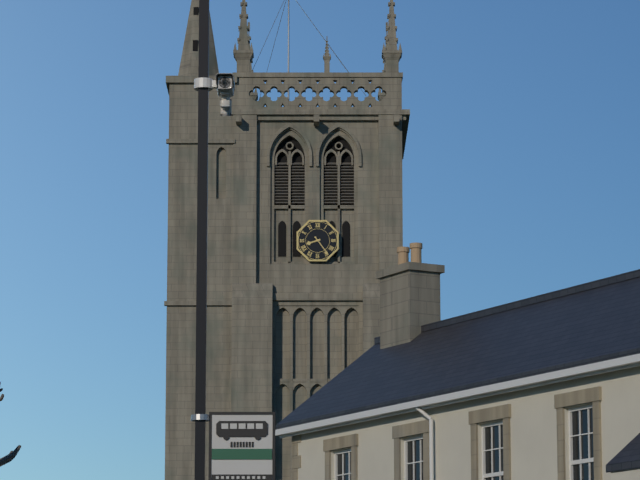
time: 8:24
